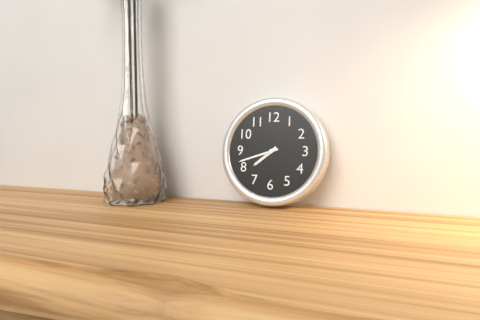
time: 7:42
